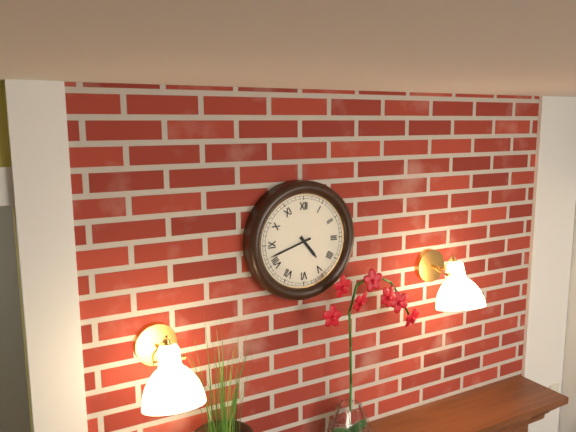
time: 4:42
